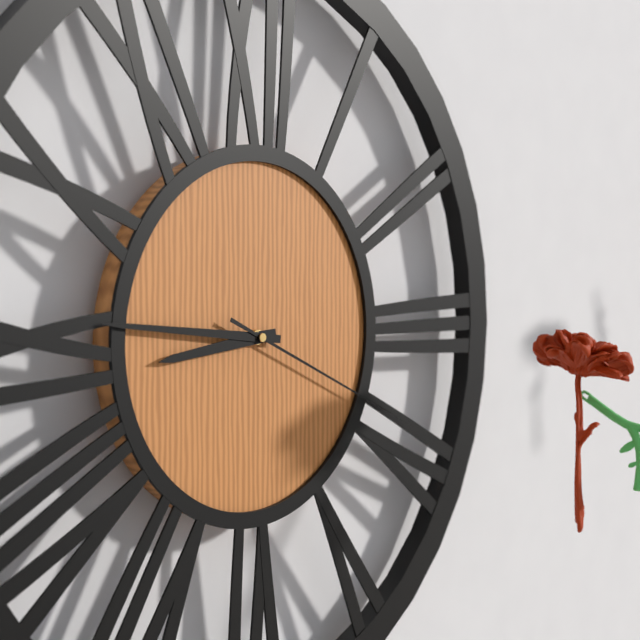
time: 8:46:19
